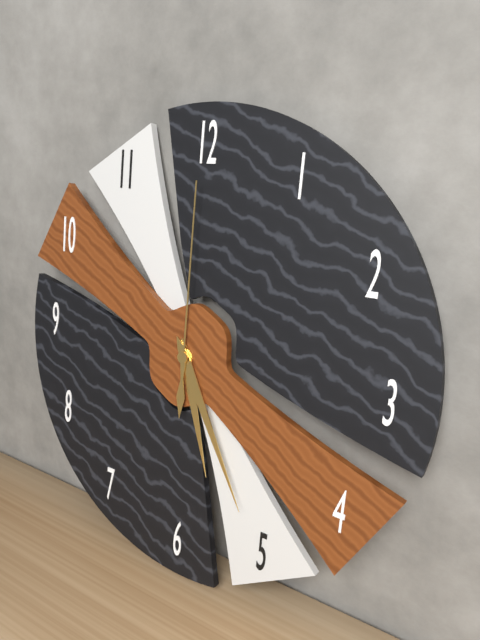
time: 5:25:00
